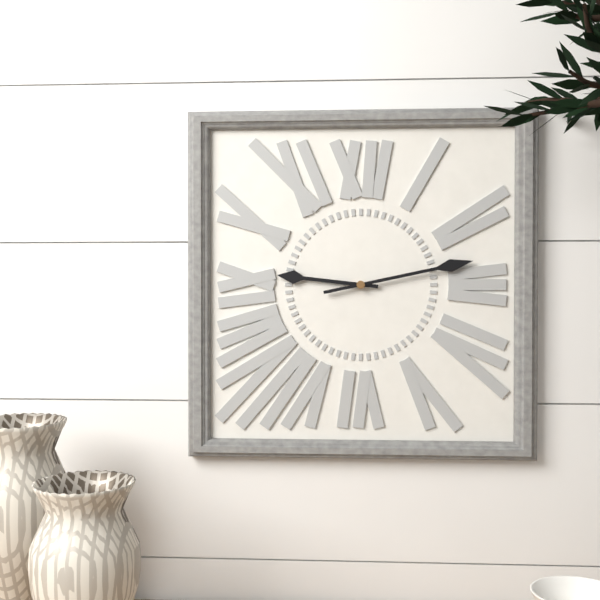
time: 9:13
